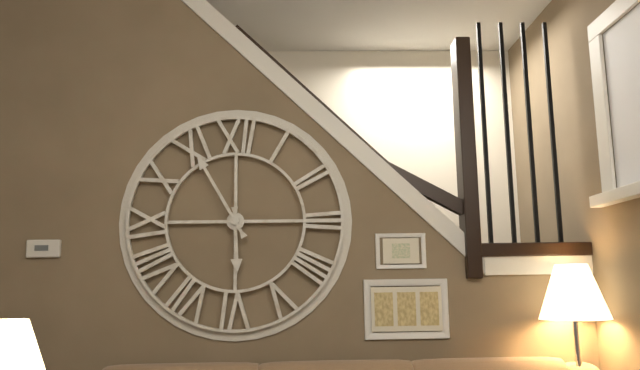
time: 5:55
